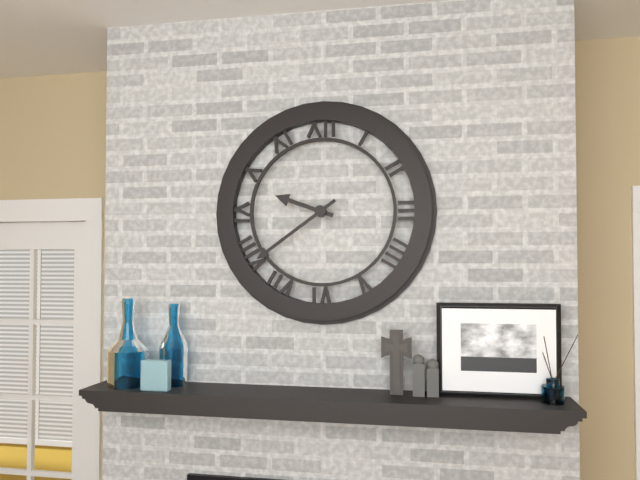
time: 9:39
